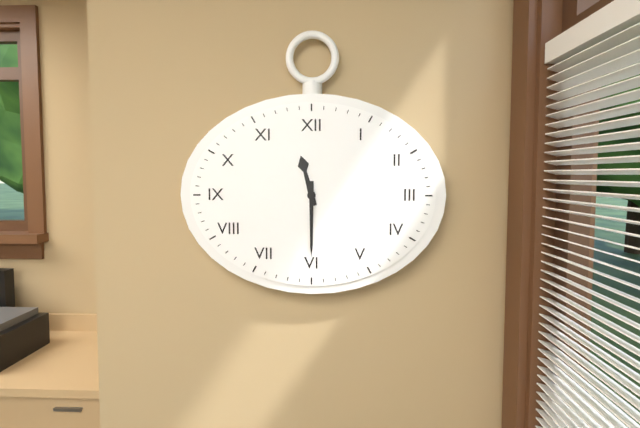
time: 11:30
